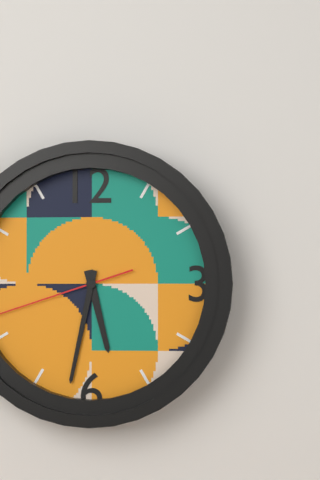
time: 5:32
